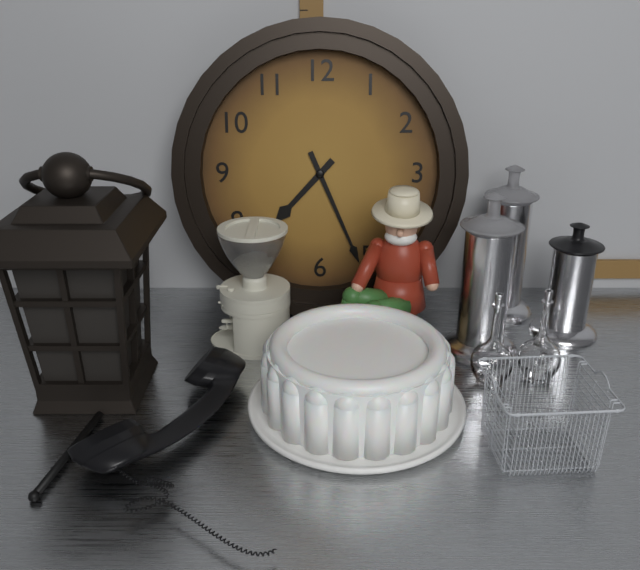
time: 7:26
